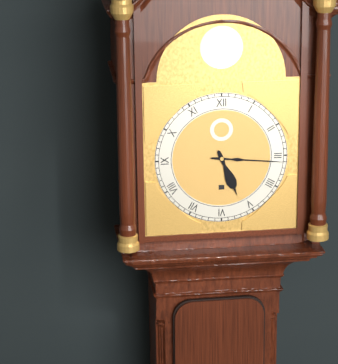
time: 5:16
